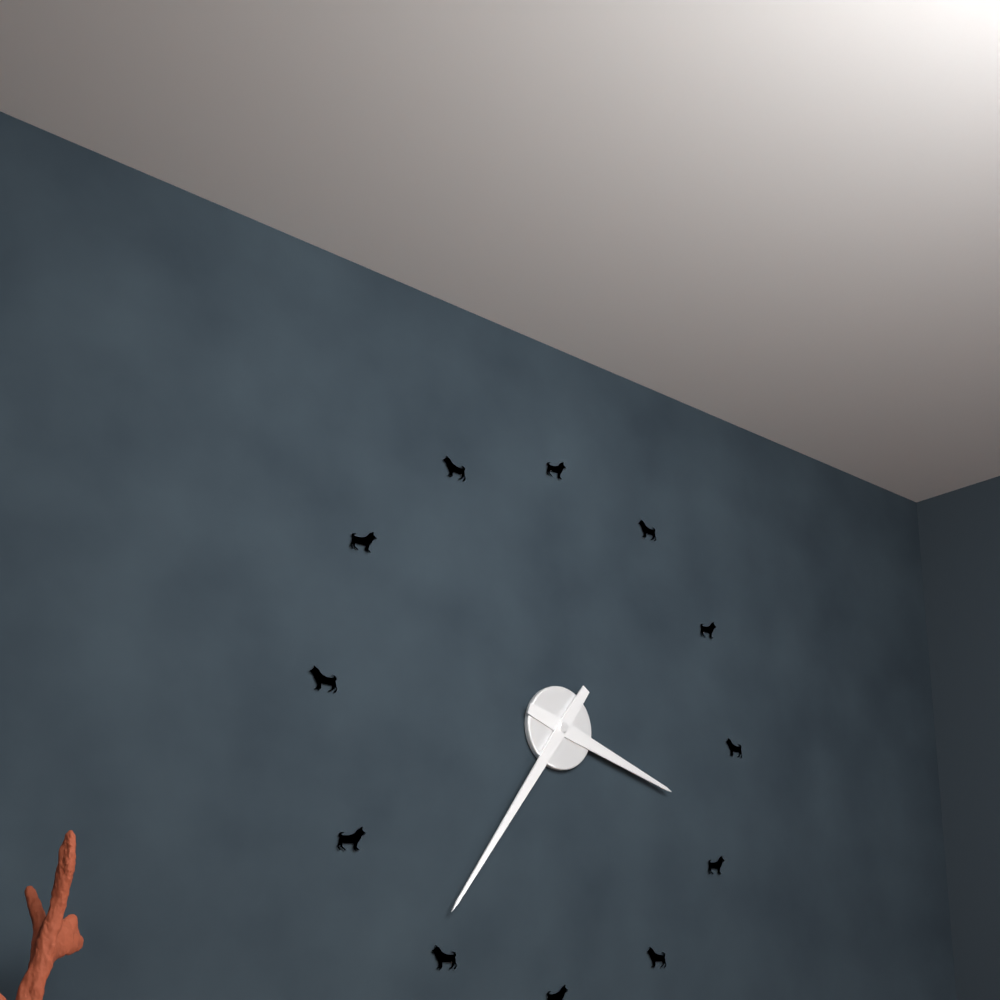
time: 3:36
